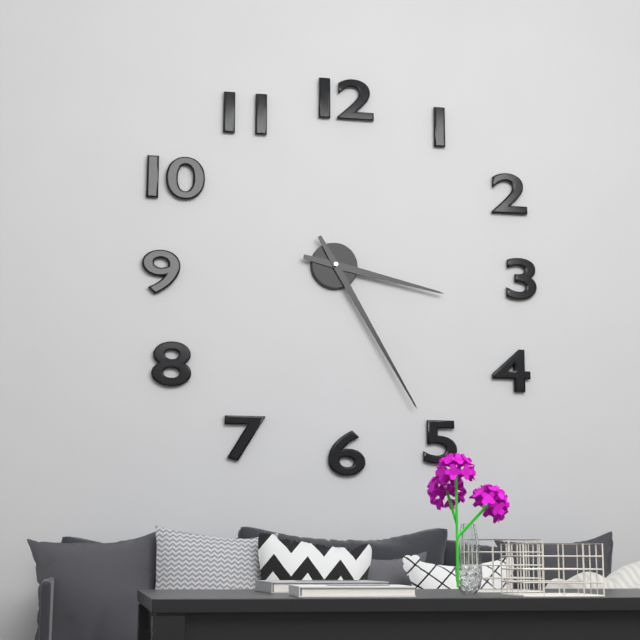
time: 3:25
